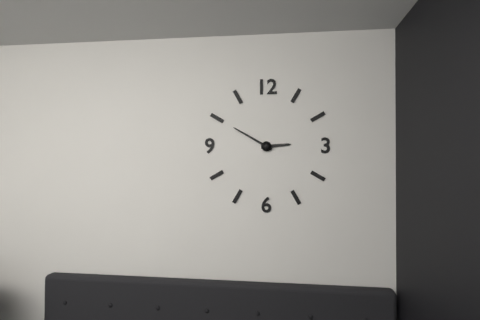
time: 2:50
